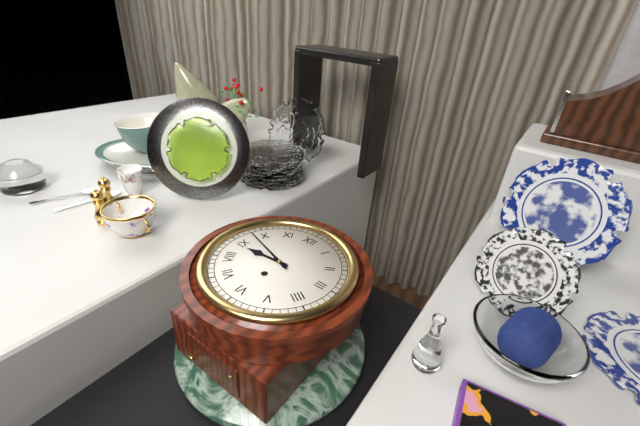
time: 8:48
